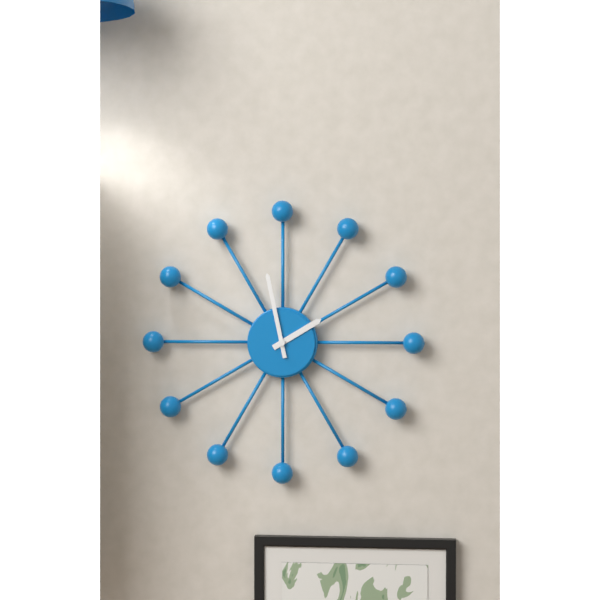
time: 1:58
